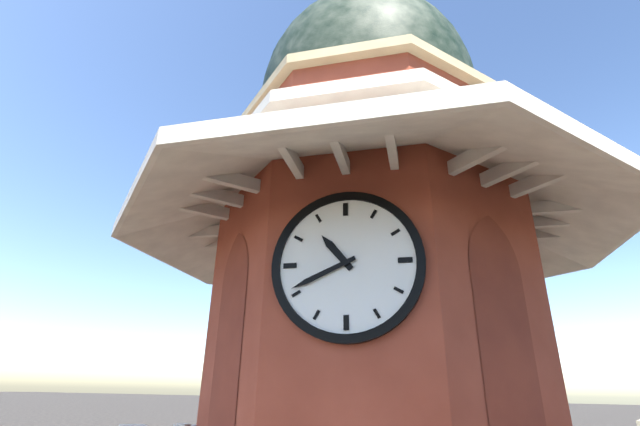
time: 10:41
